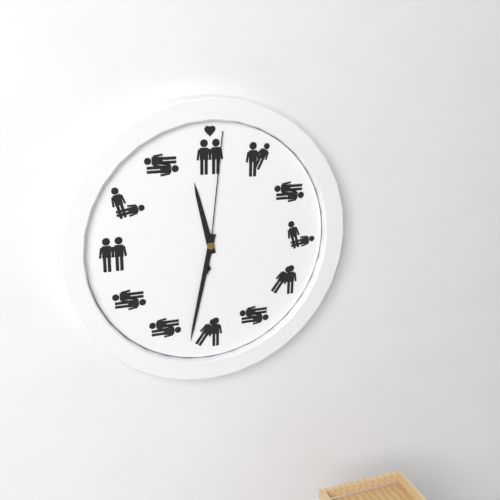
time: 11:32:01
